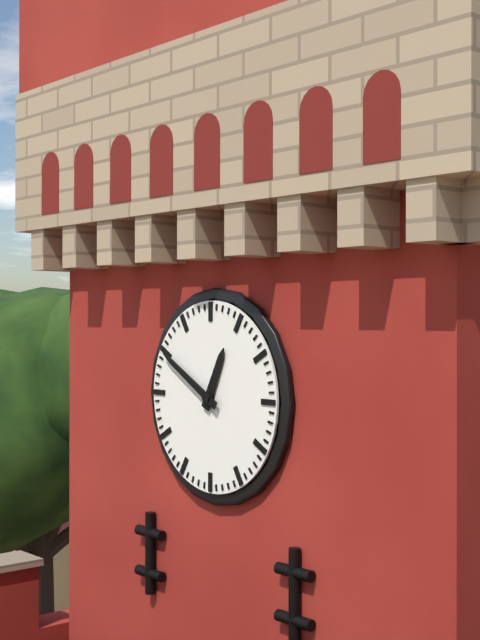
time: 12:50
